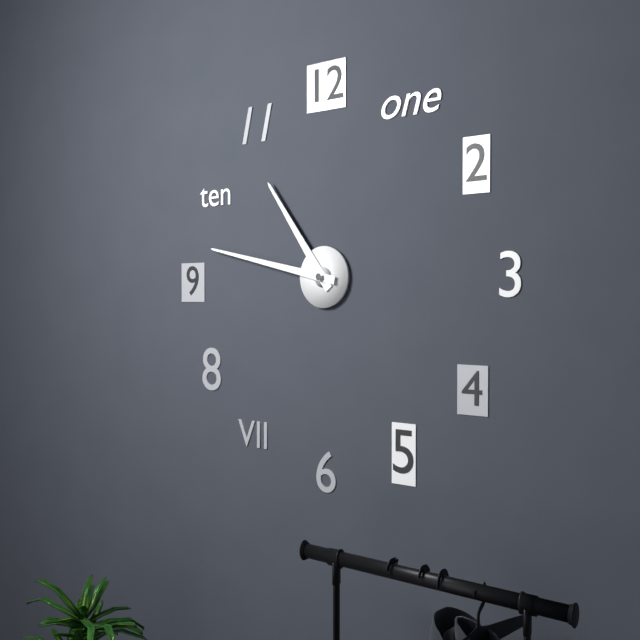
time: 10:47
